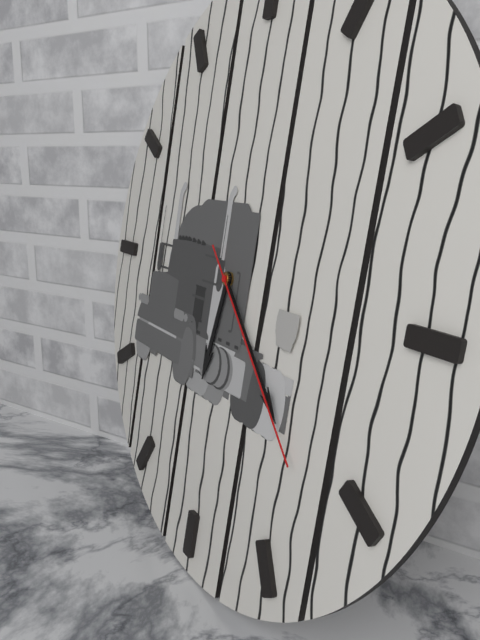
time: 6:22:22
